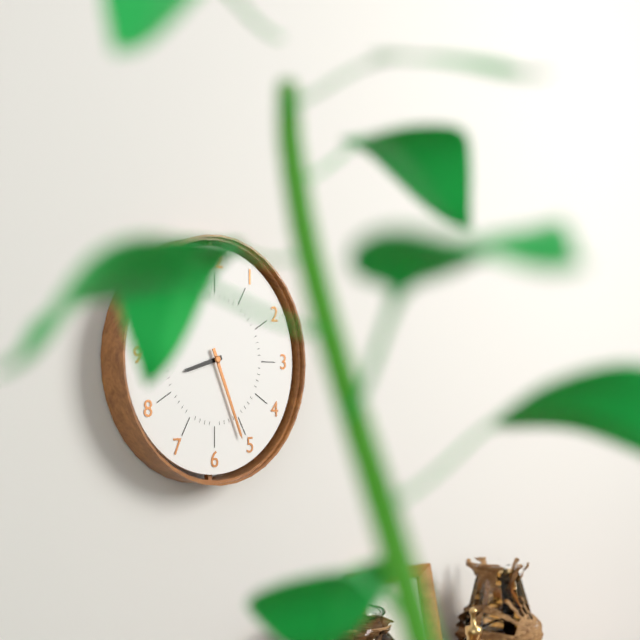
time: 8:26
